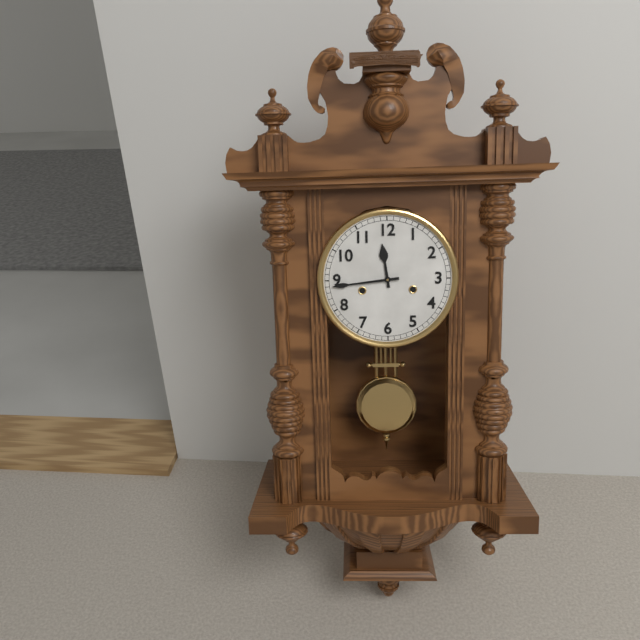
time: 11:44
